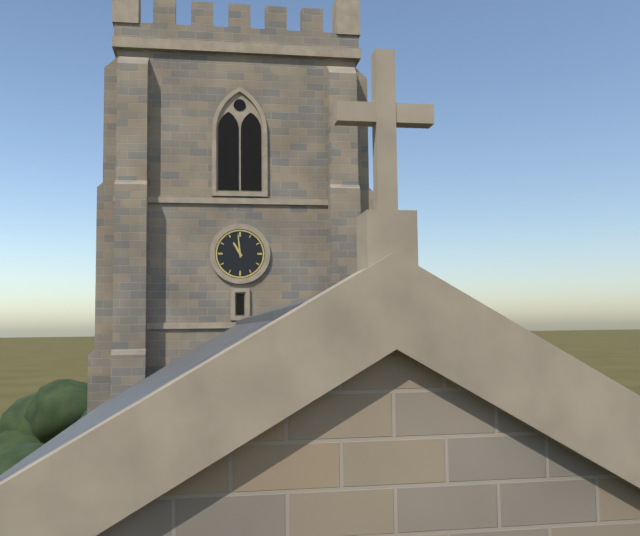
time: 10:59
